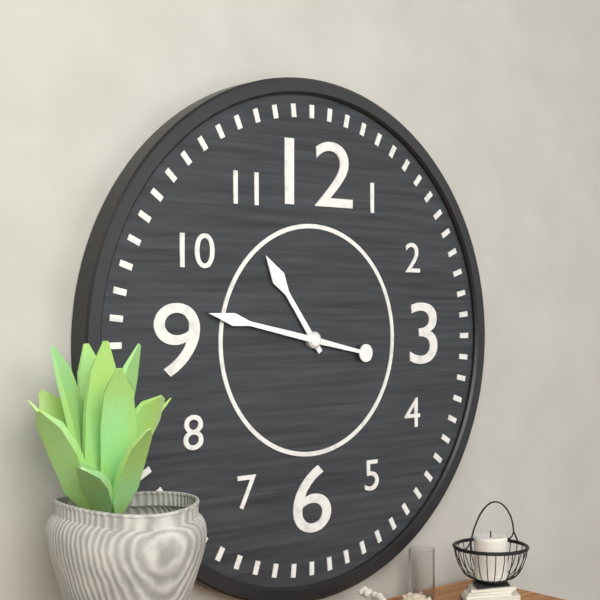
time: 10:47
